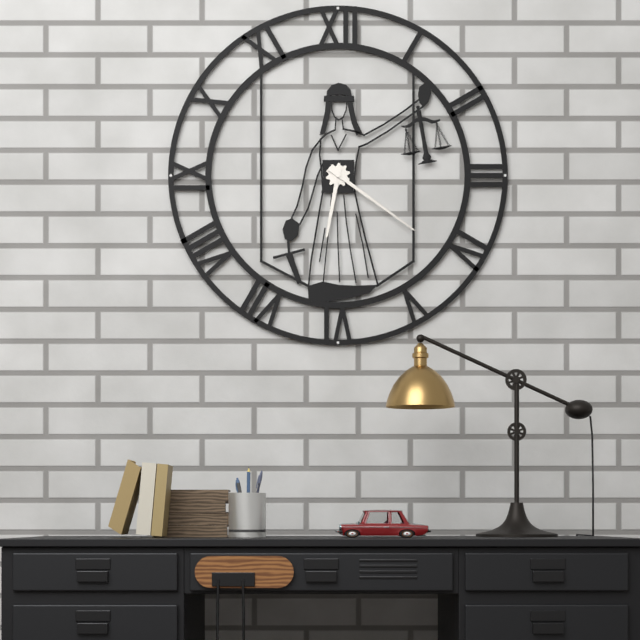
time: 6:21
